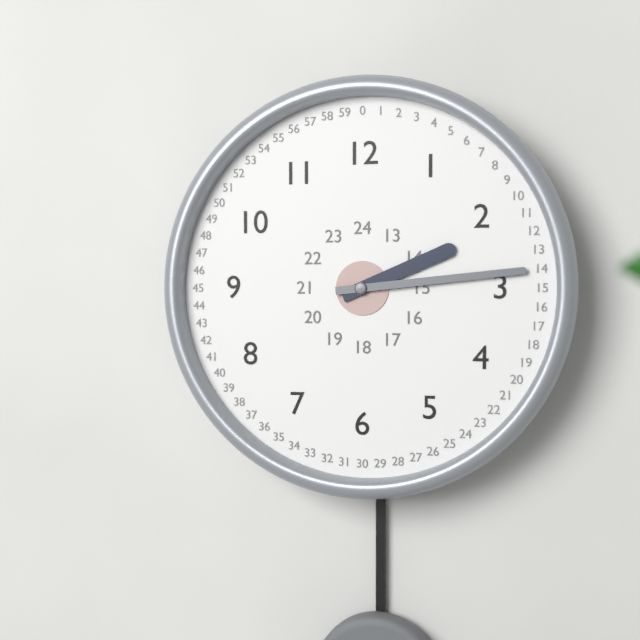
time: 2:14
